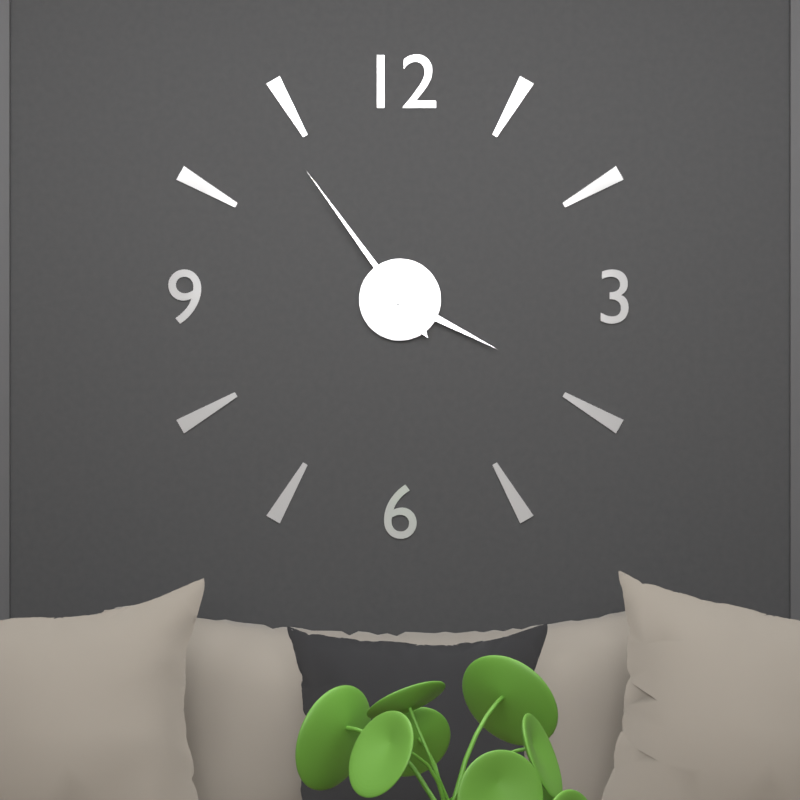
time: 3:54
